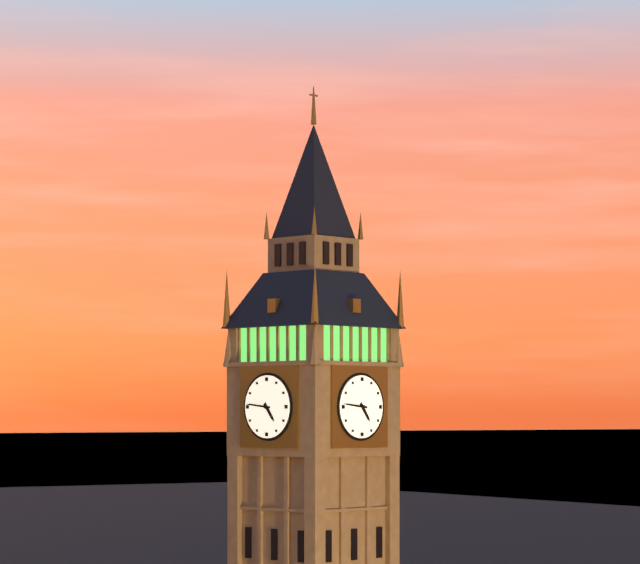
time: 4:46
